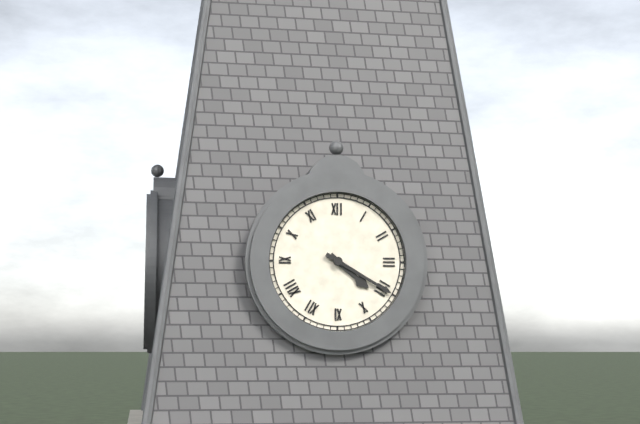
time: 4:20
